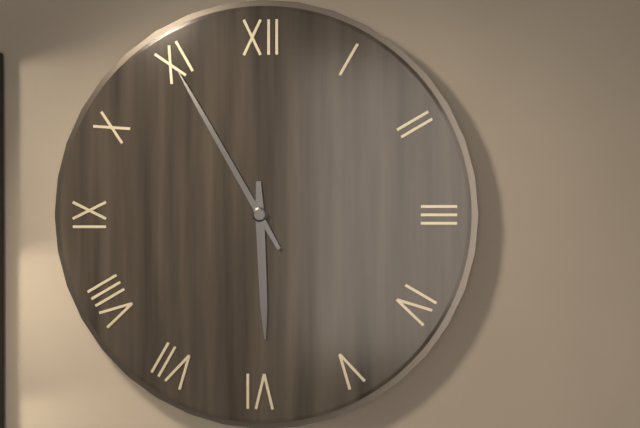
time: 5:55
